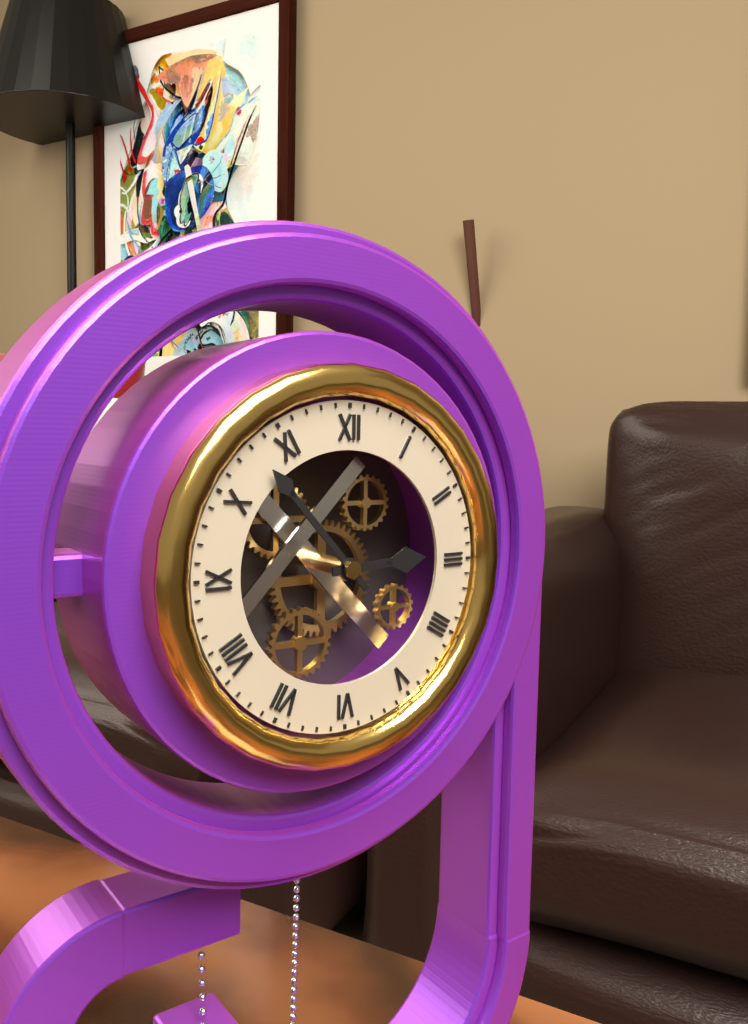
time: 2:53
